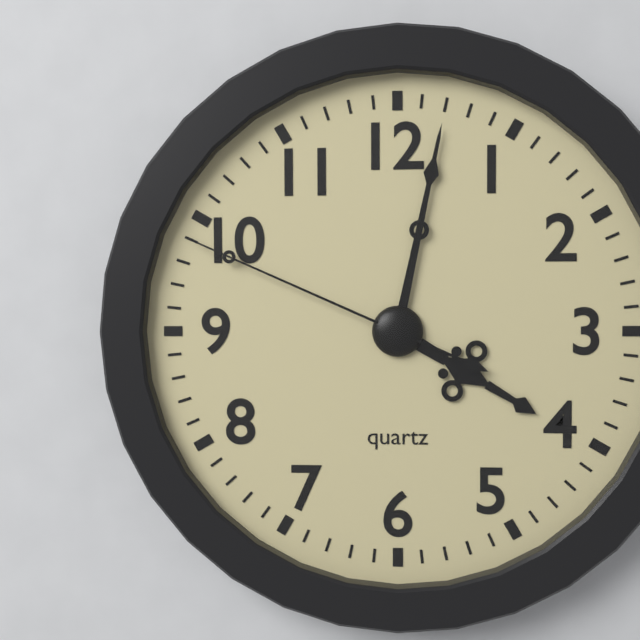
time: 4:02:49
